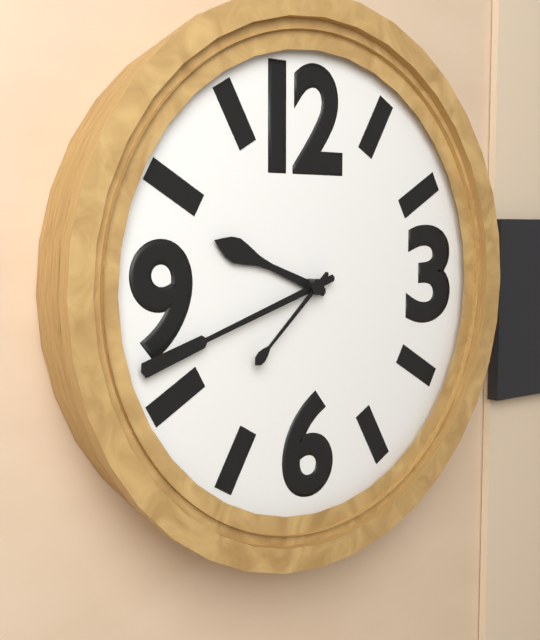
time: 9:42:38
